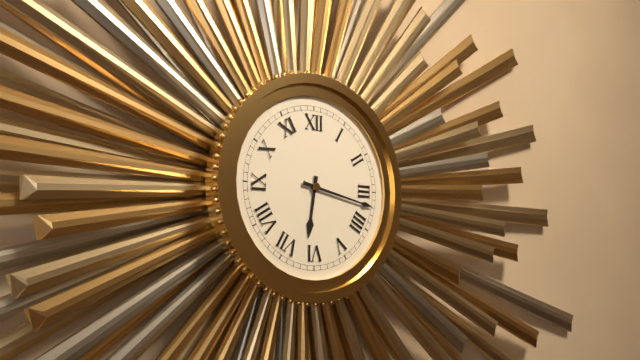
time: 6:17
